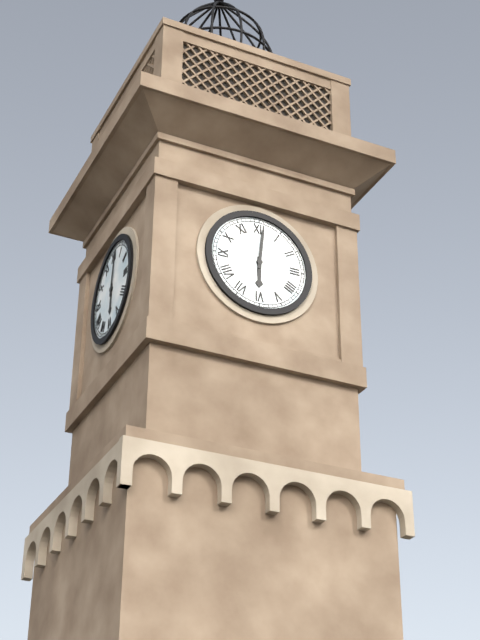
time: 6:01
